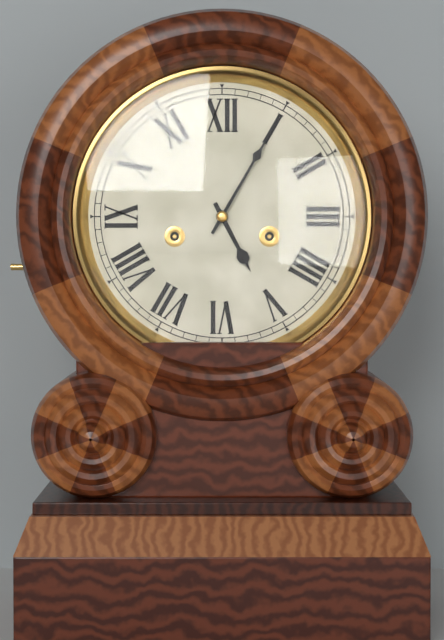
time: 5:05
